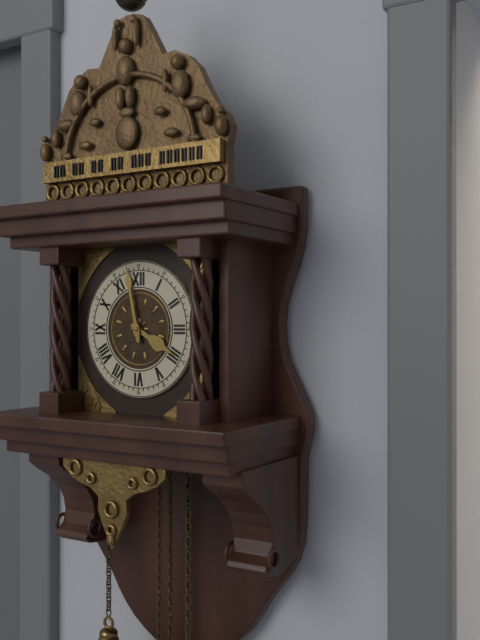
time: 3:58
